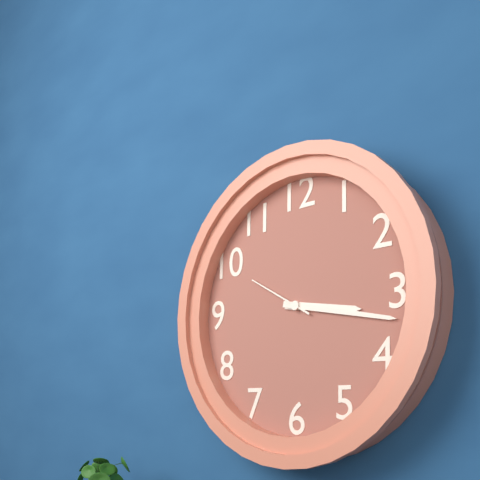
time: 3:17:50
